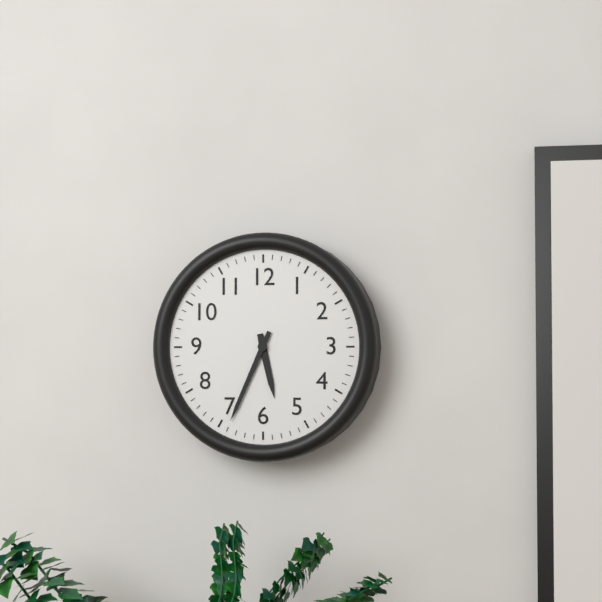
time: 5:34
